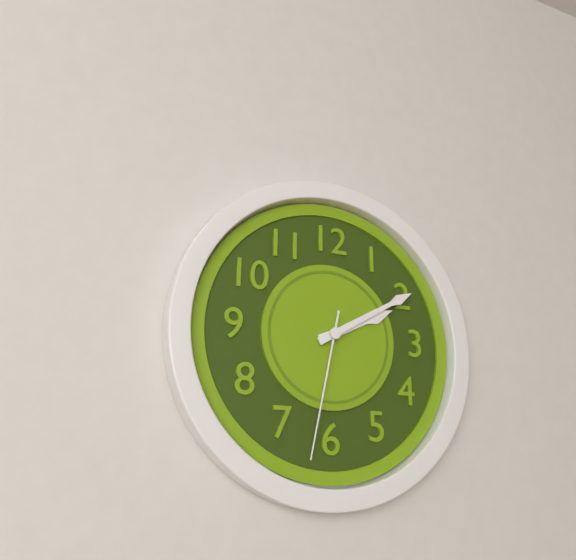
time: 2:10:32
